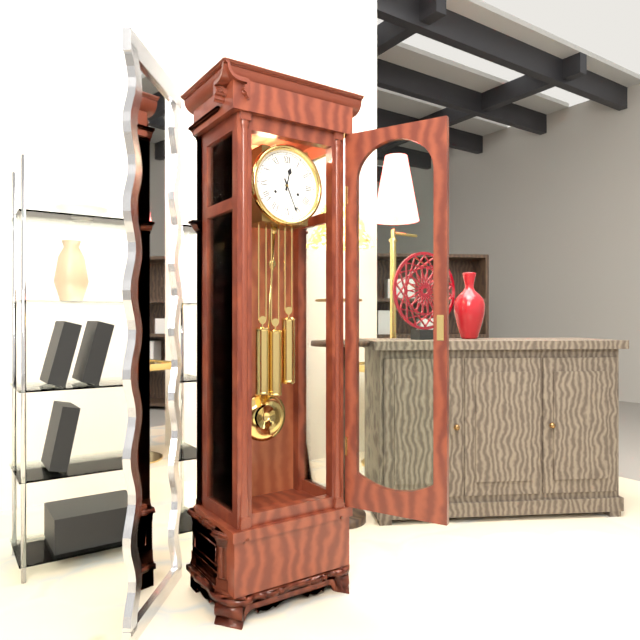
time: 12:26
